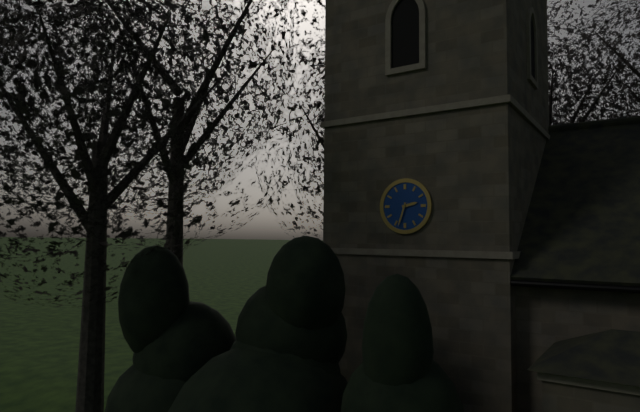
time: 2:33
